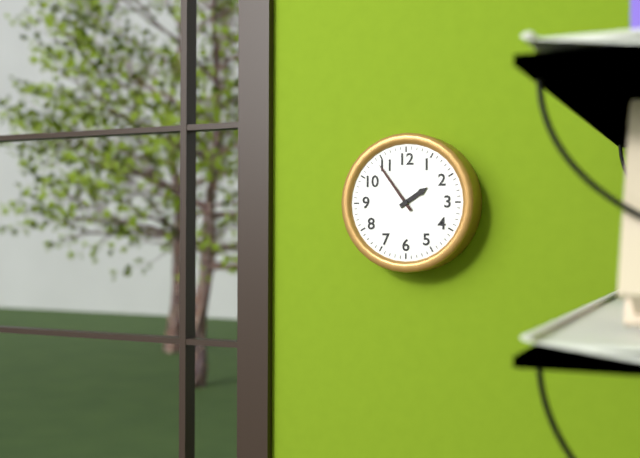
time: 1:54
